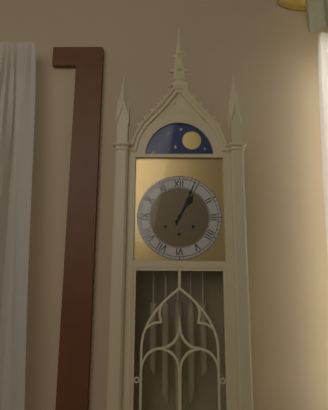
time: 1:04
